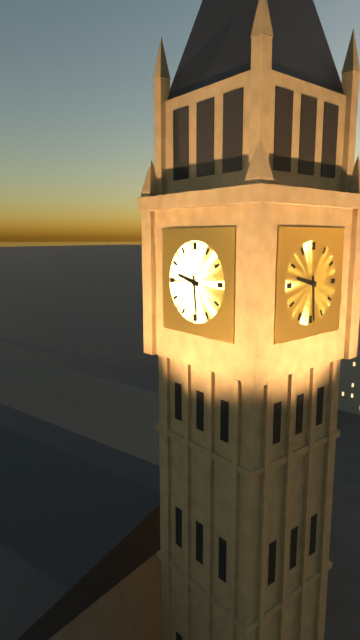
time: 9:29
